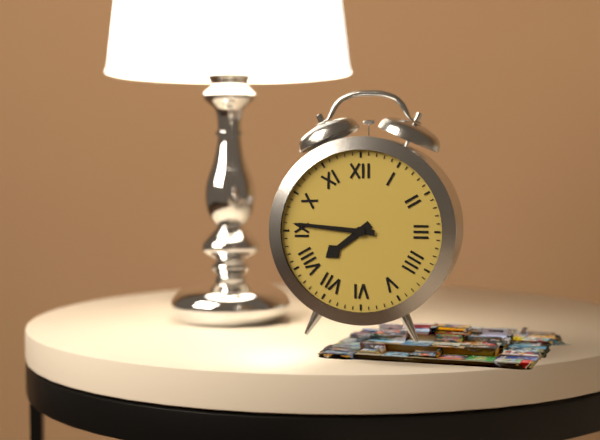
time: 7:46
